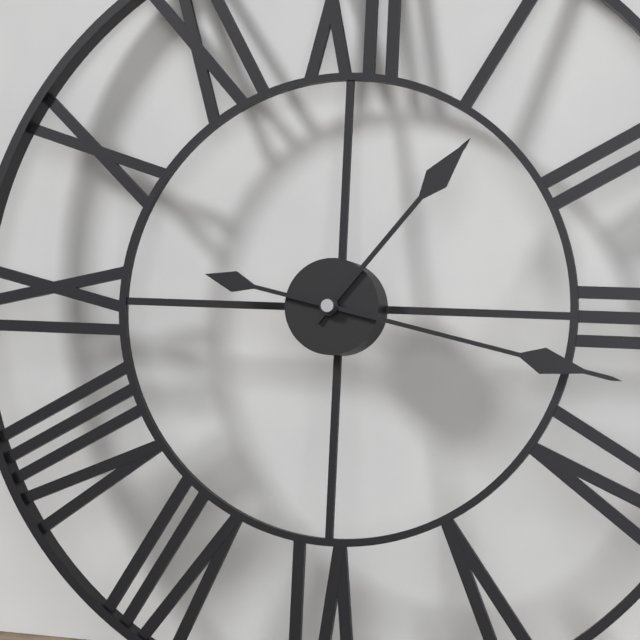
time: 1:17
